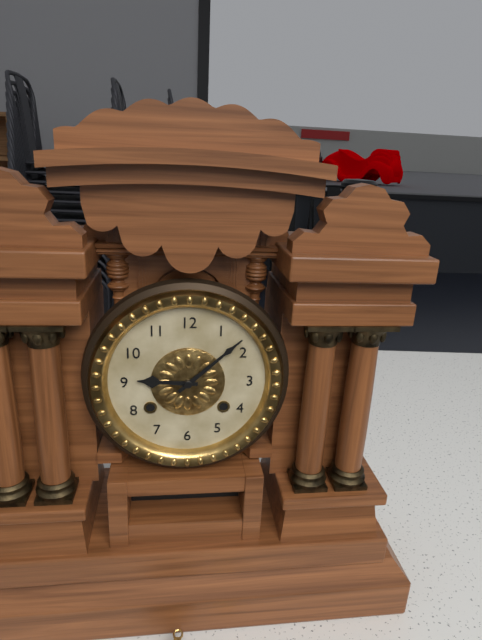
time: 9:08
